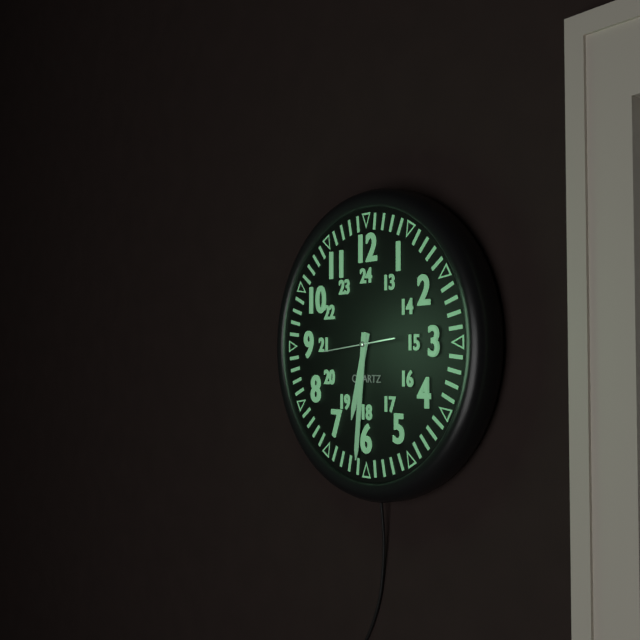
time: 6:31:44
